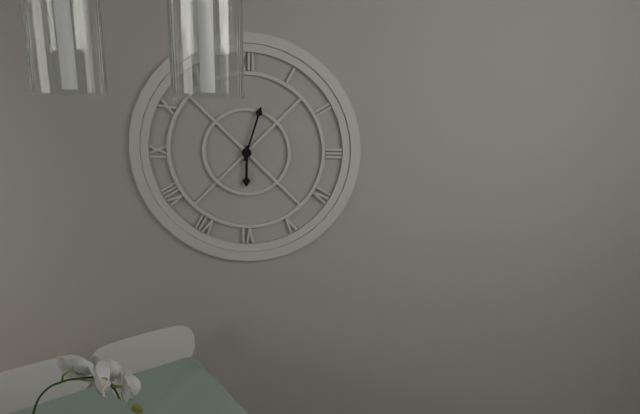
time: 6:03
